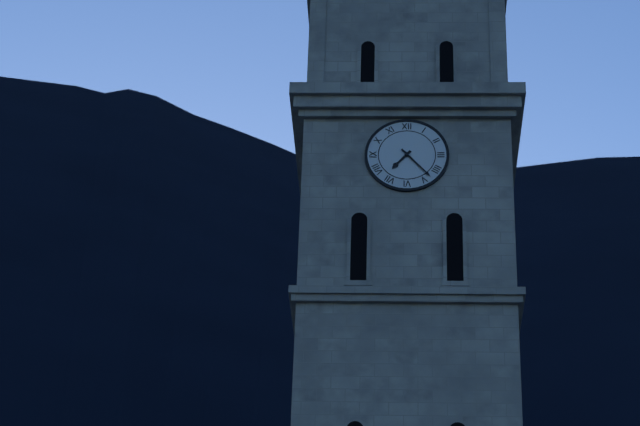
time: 7:23
